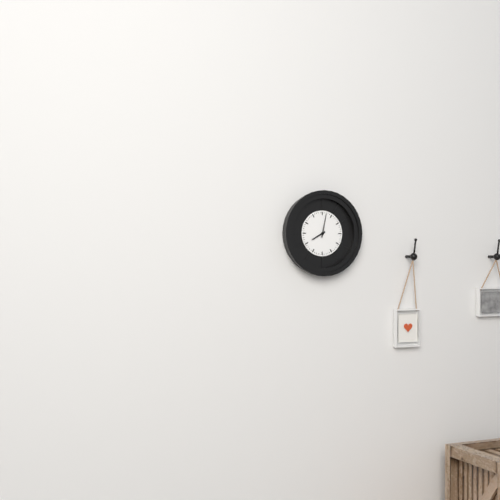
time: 8:02
